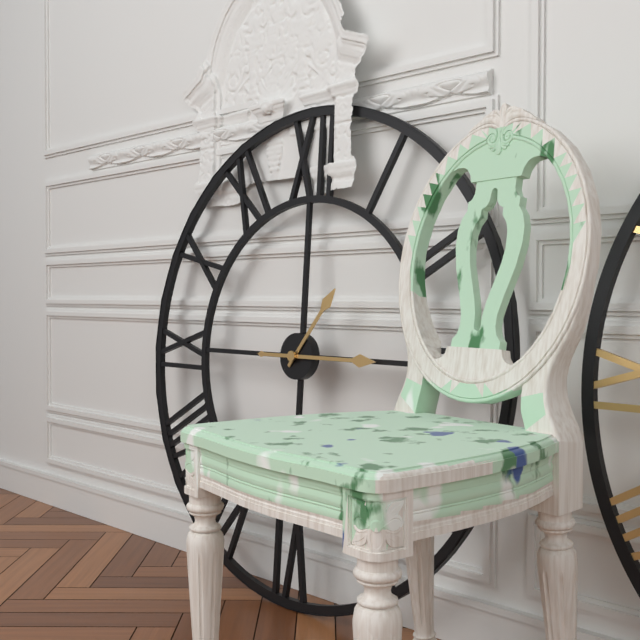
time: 1:15
